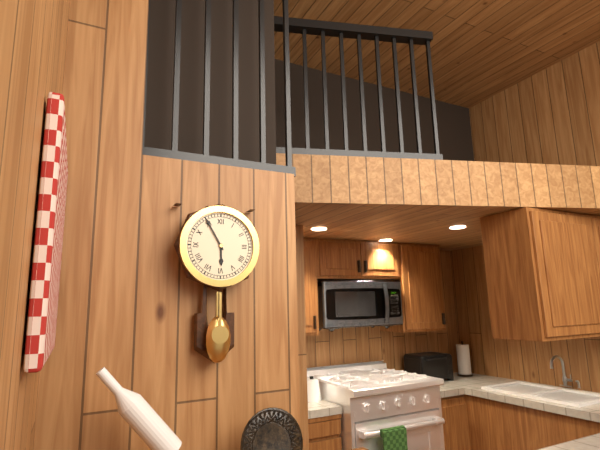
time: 5:55
